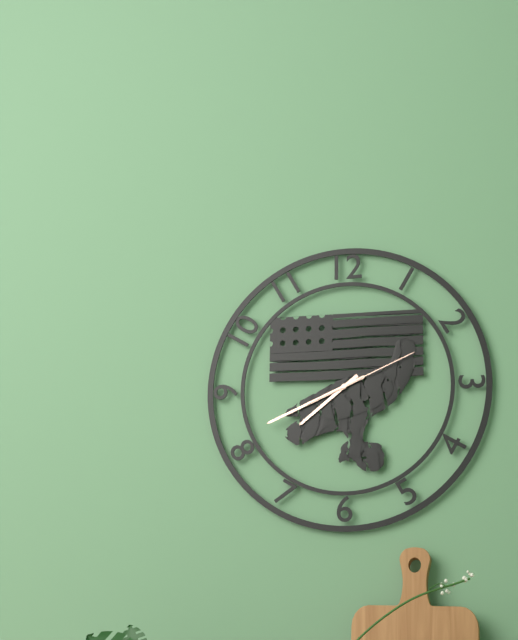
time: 7:41:11
